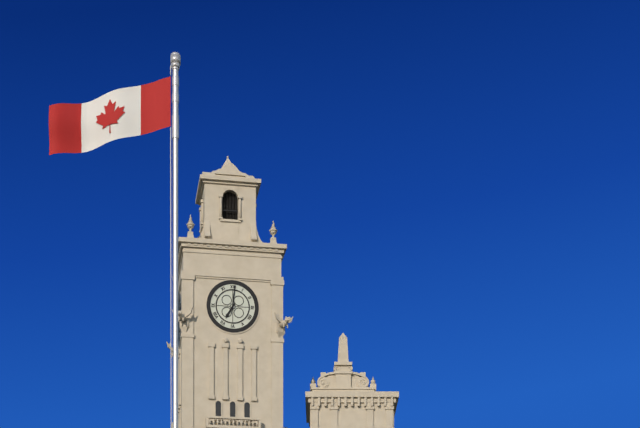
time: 7:01
